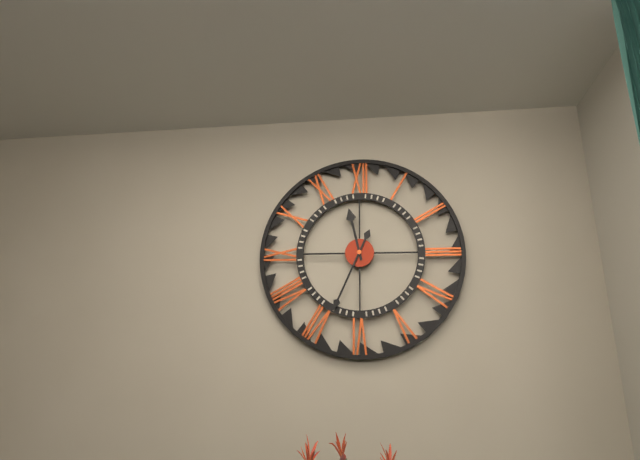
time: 11:34
